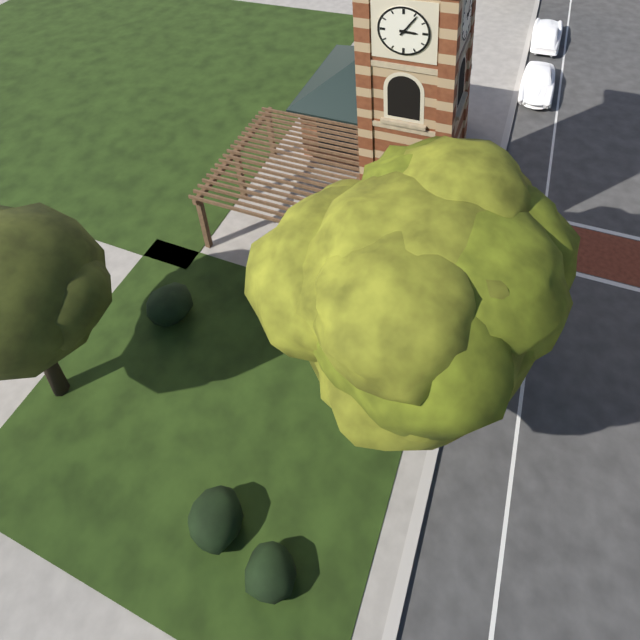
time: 3:06
